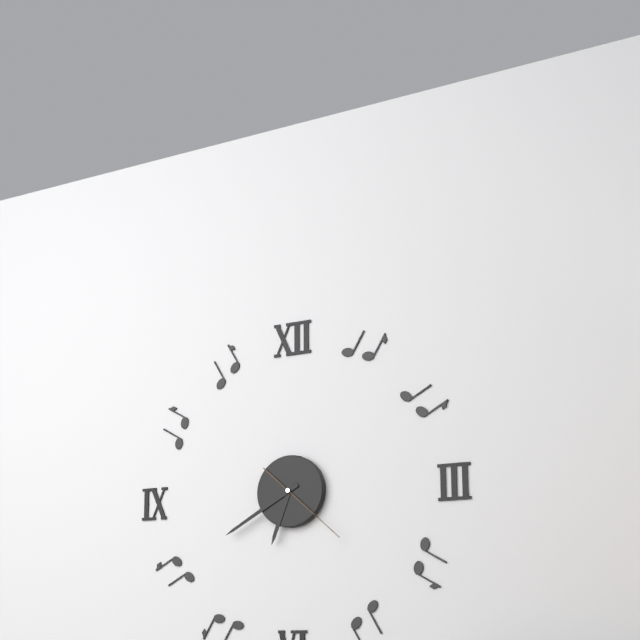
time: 6:40:22
